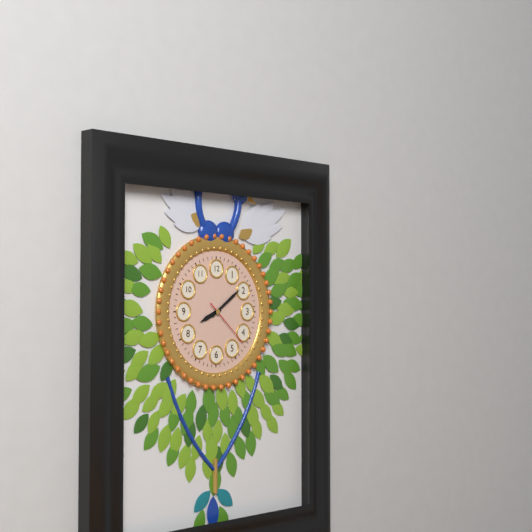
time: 8:09:22
